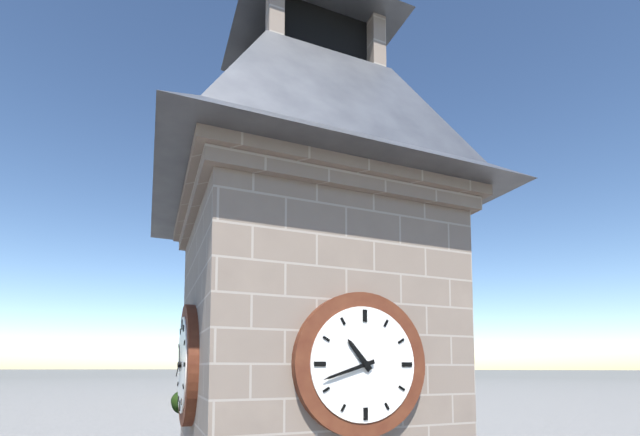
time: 10:42
